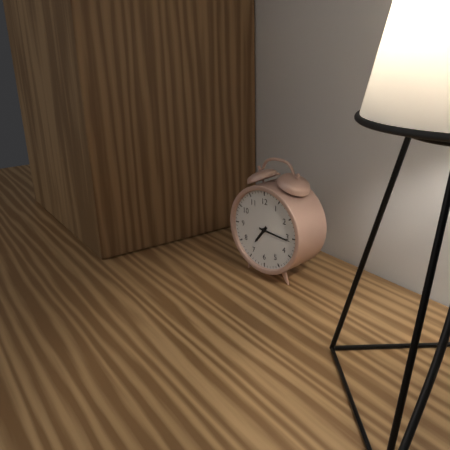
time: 7:16
